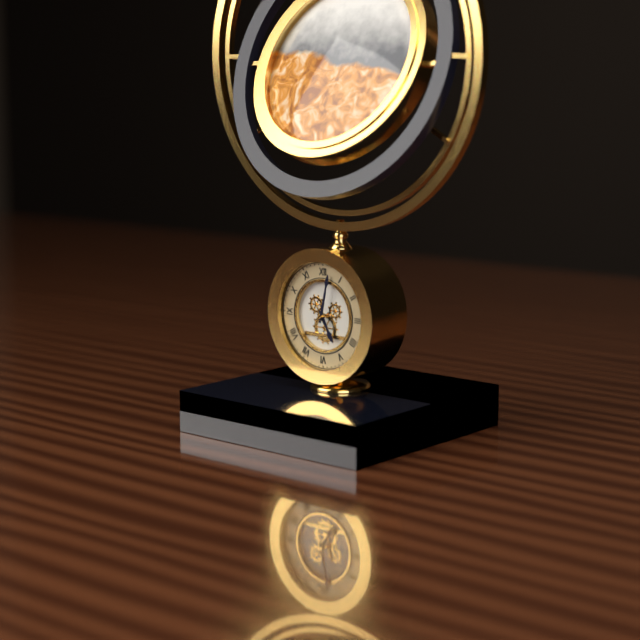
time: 5:02
